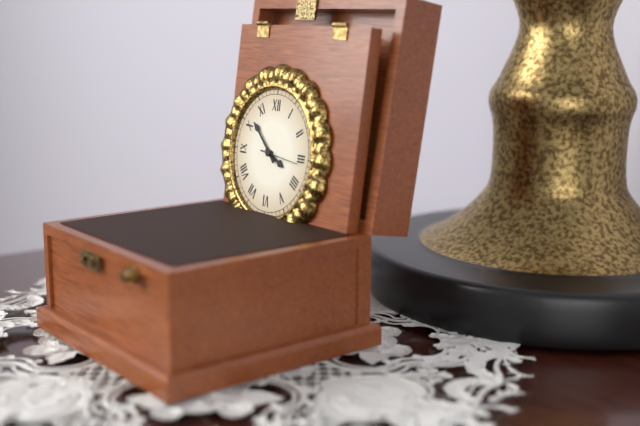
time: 3:52
